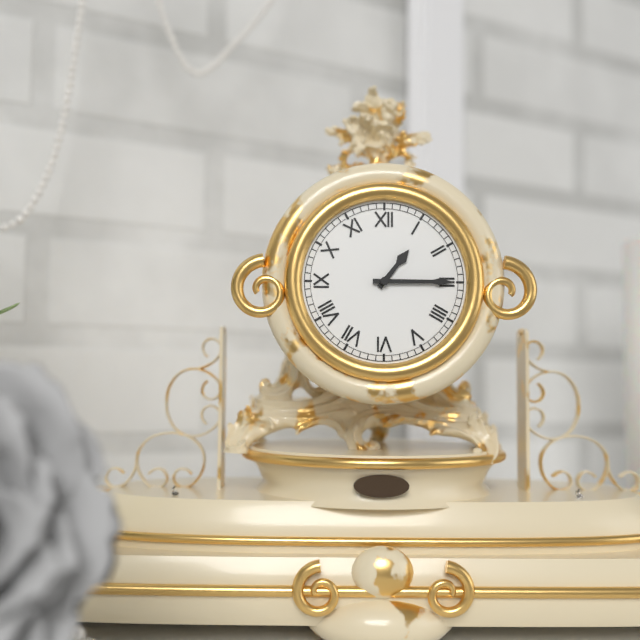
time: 1:15
